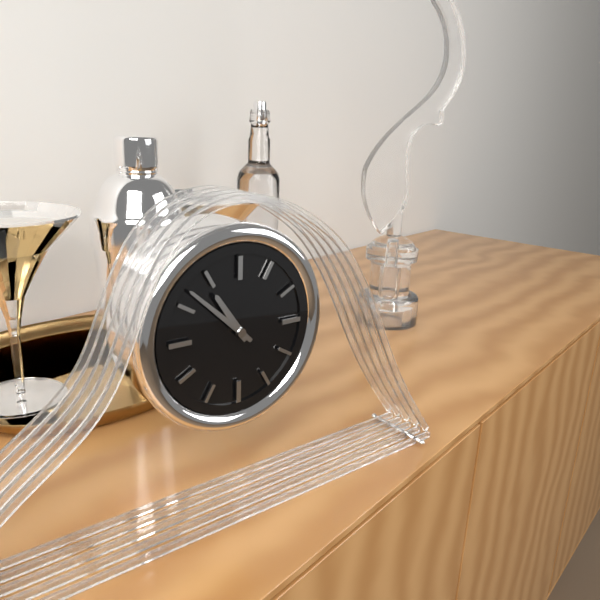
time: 10:52
